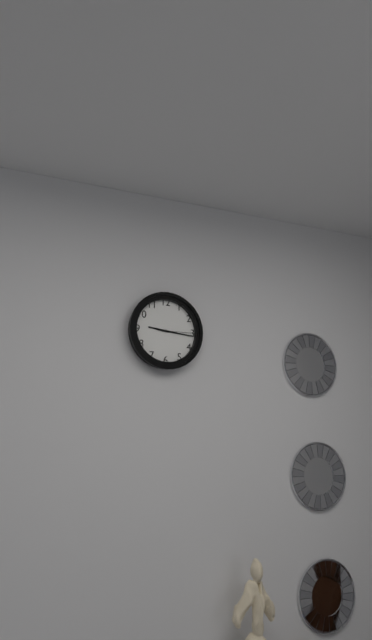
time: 9:16
